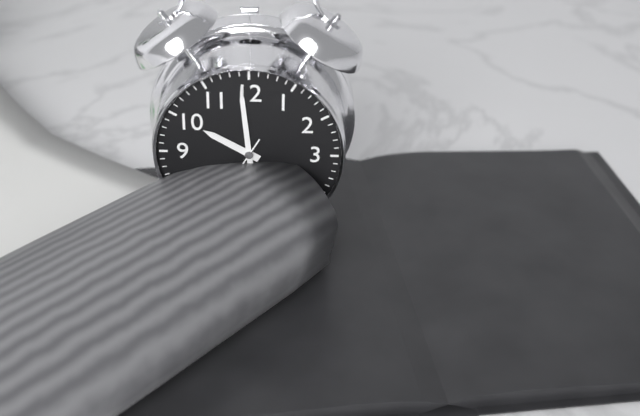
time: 9:59
